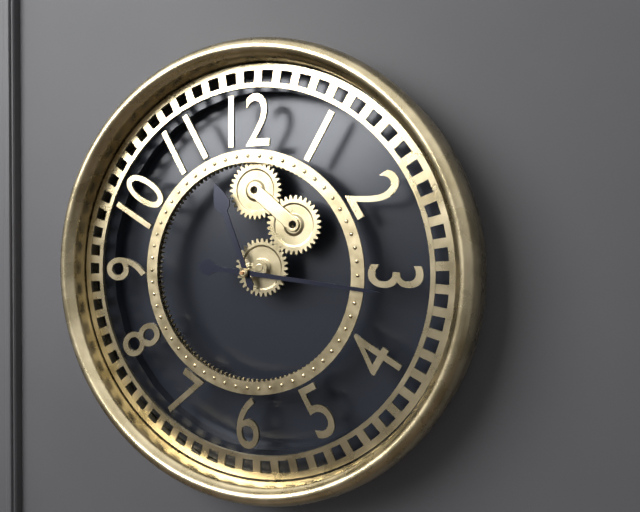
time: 11:16
